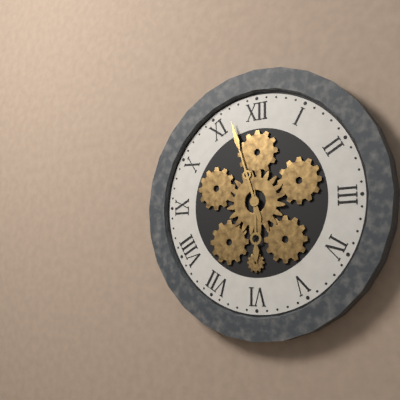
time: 5:57
